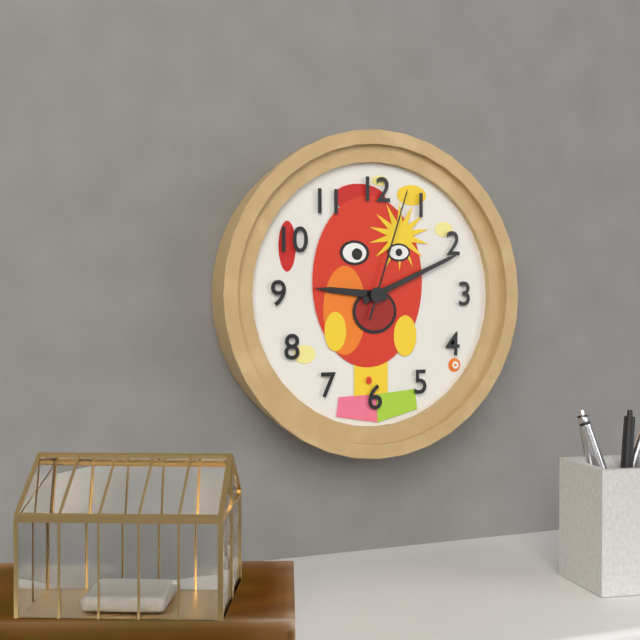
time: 9:11:03
